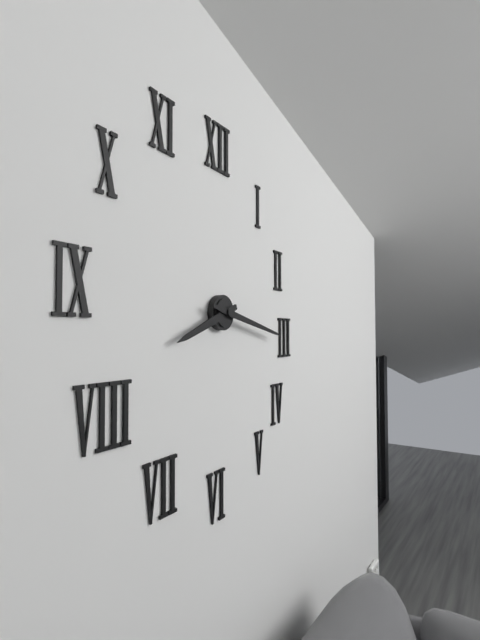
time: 8:17
